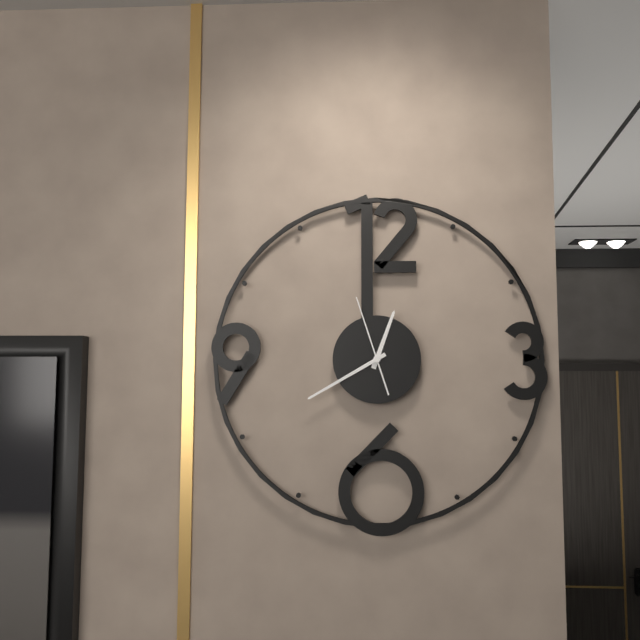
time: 12:40:57
